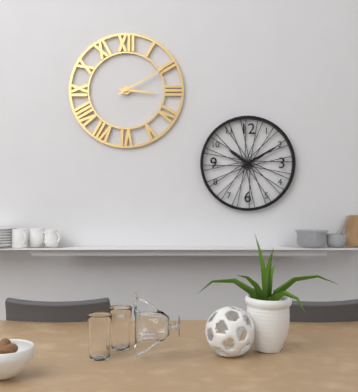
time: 3:10
